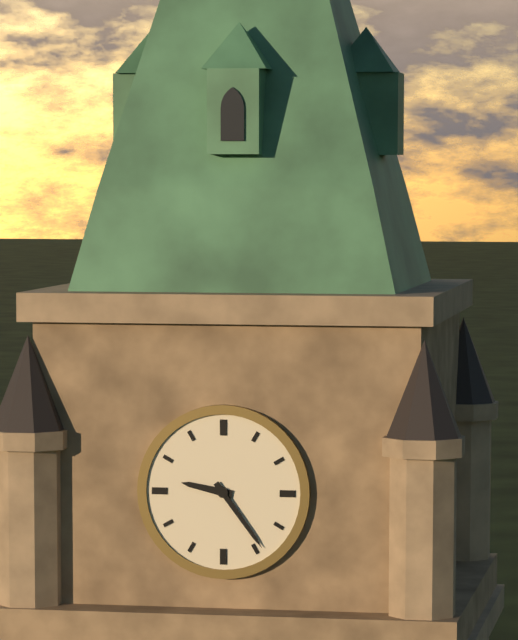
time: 9:24
